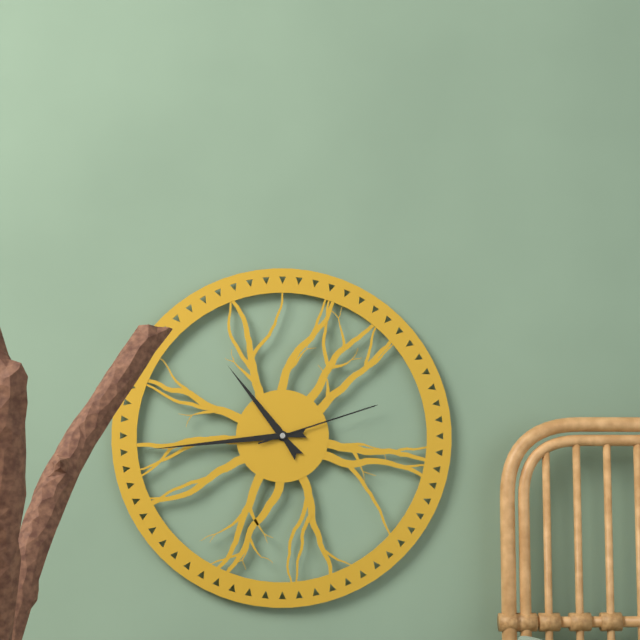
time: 10:44:12
